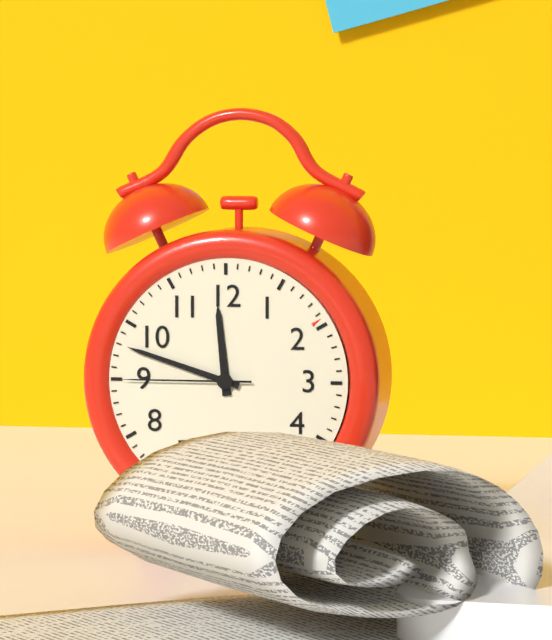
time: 11:48:45
